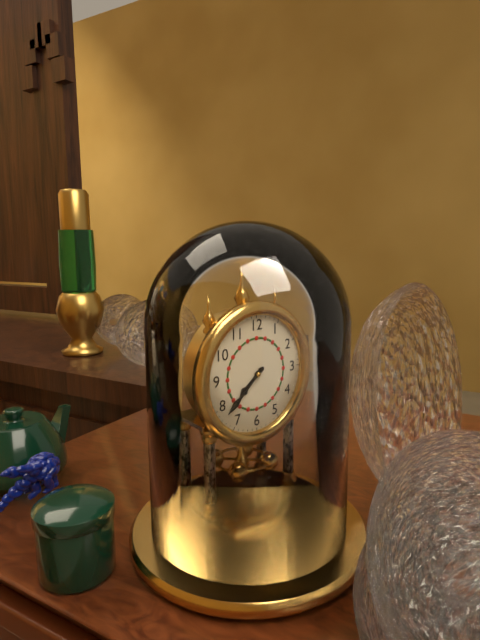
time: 7:38
